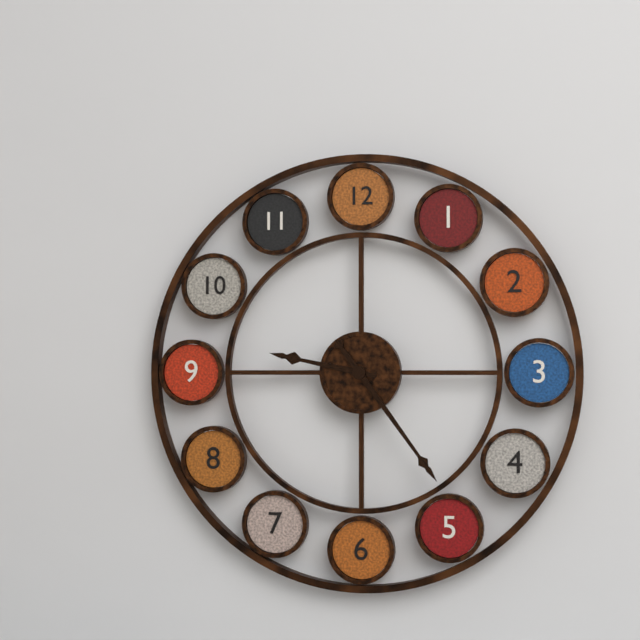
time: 9:24
